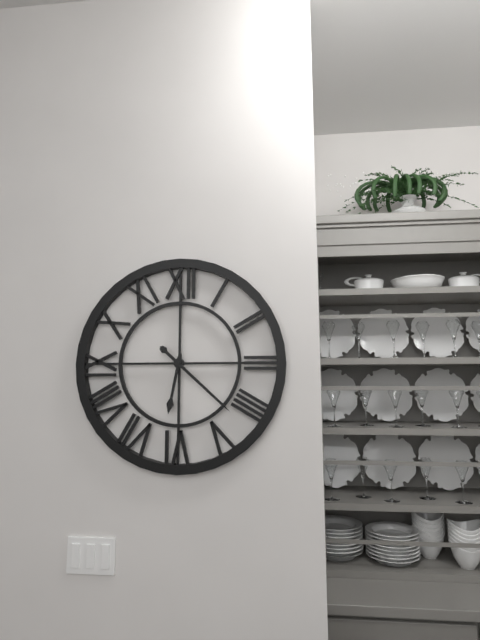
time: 6:22
